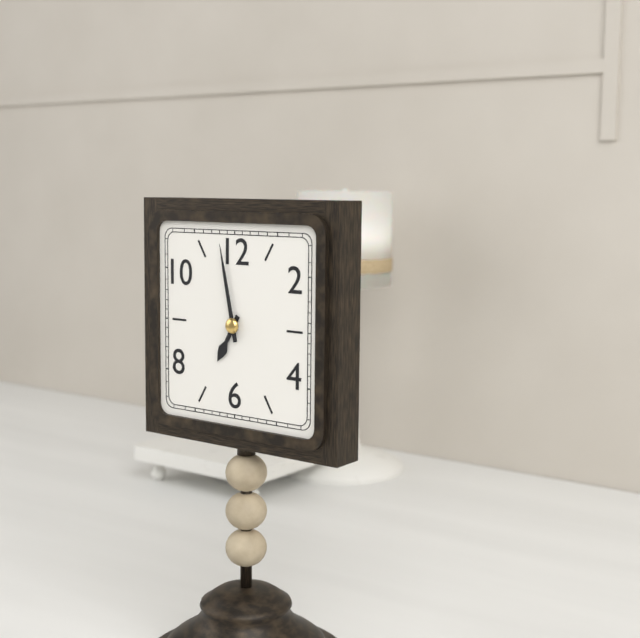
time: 6:58
